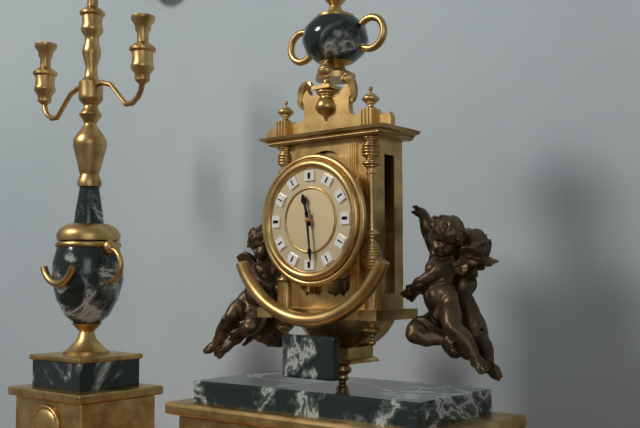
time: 11:29
